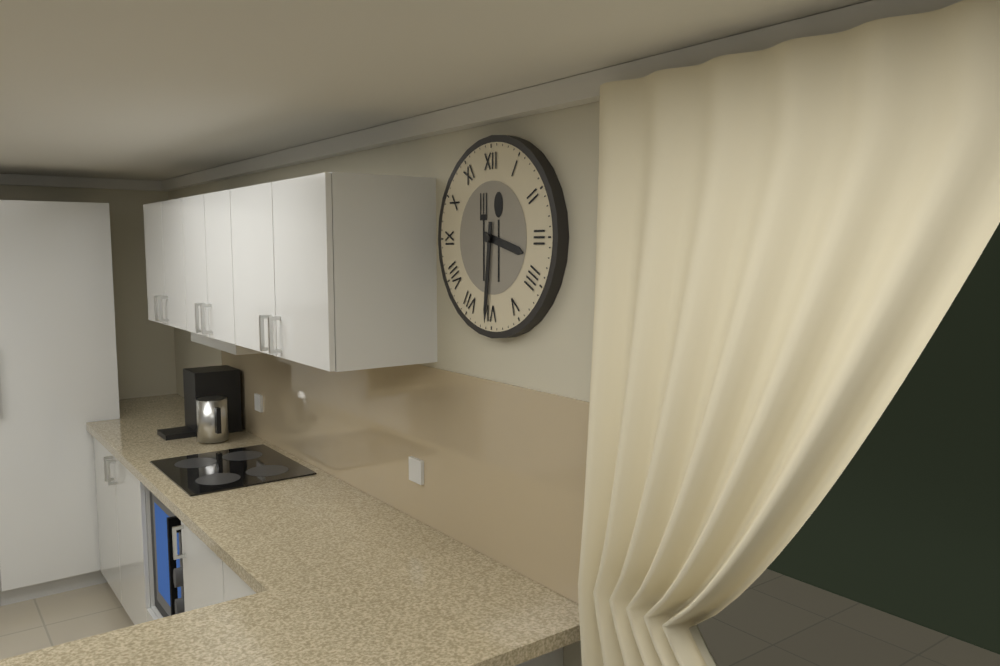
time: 3:31
